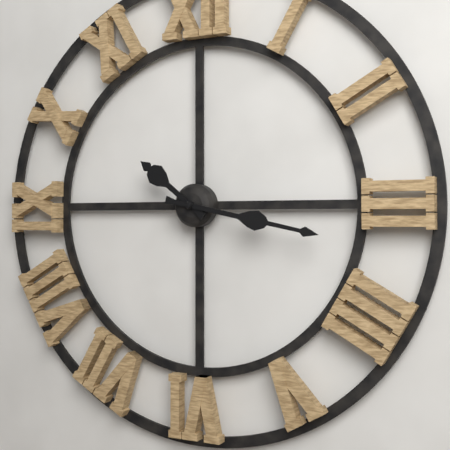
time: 10:17
